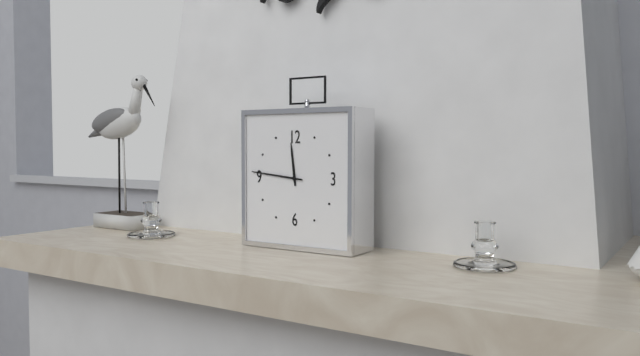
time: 11:46
